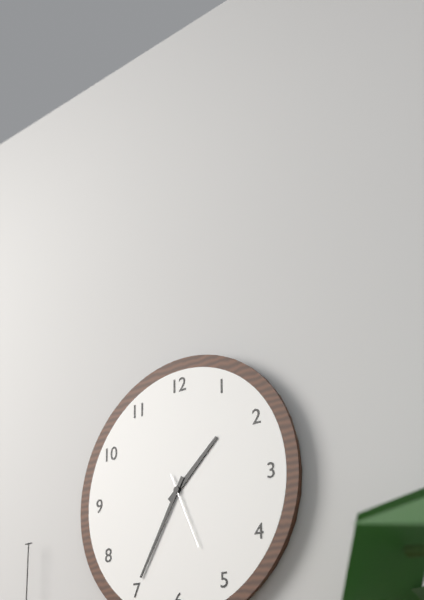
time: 1:35:26
